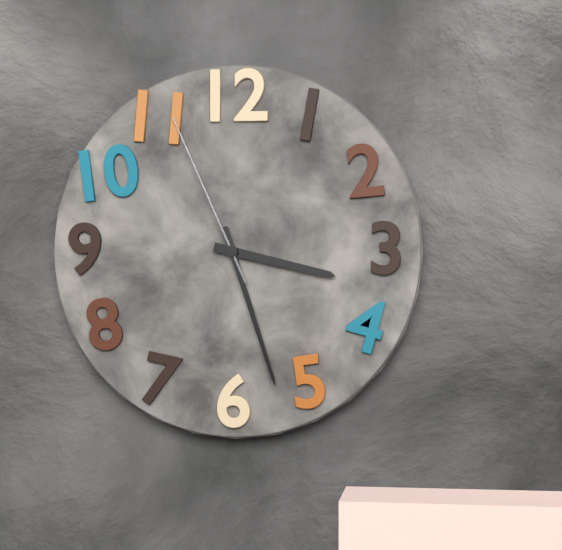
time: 3:27:56
